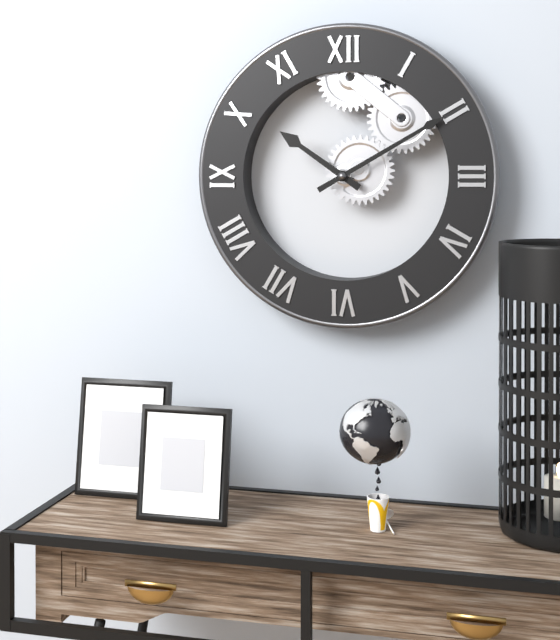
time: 10:10
